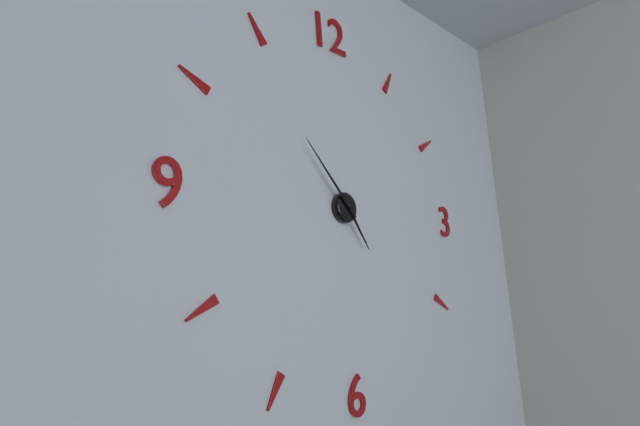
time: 4:53
